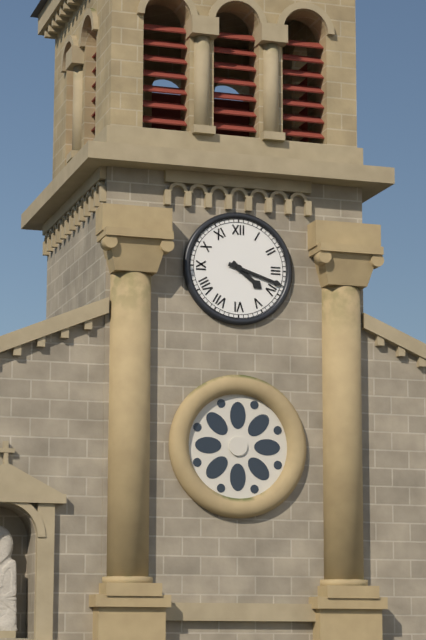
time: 4:18
